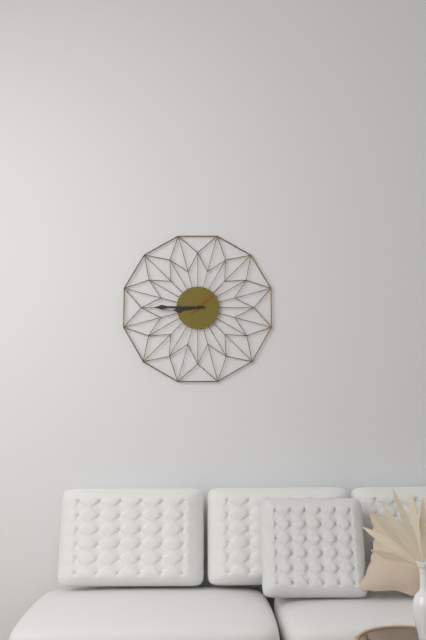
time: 8:45
